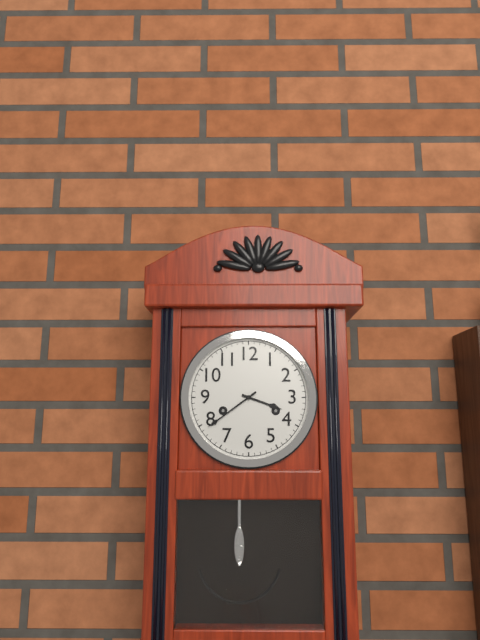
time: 3:39
